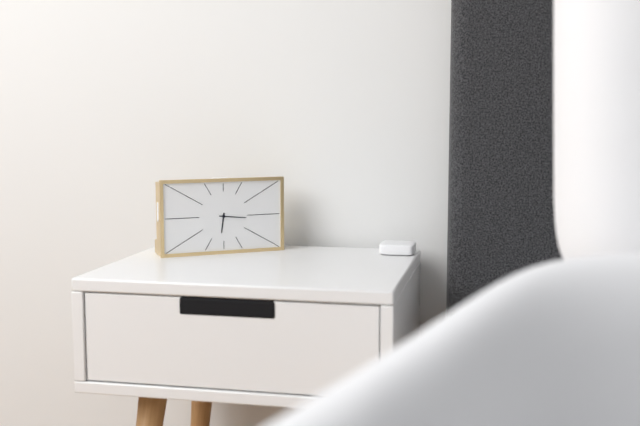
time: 6:16
